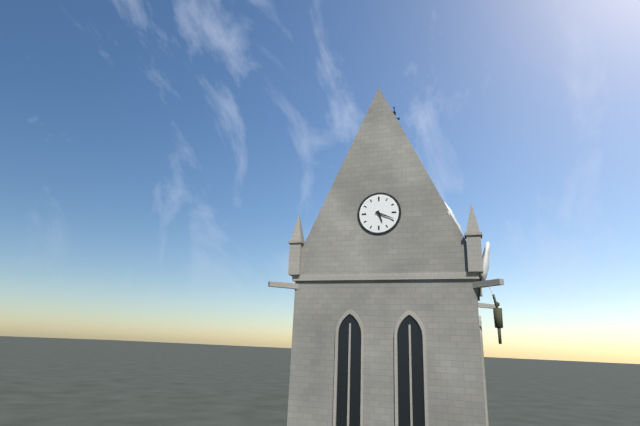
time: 5:19
